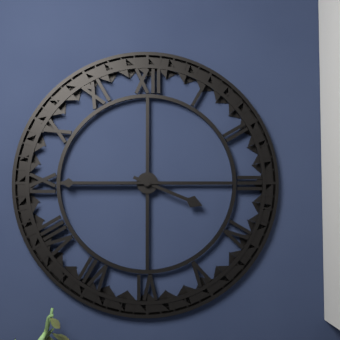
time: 3:45
